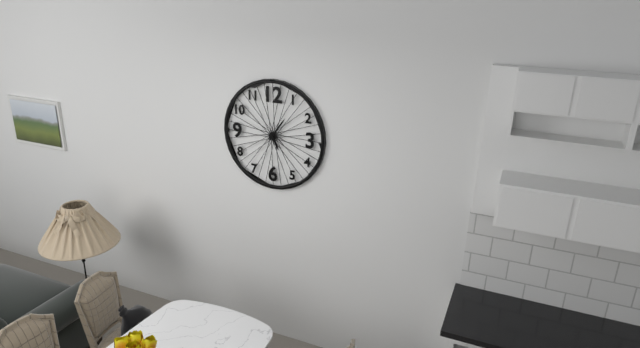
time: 5:06
